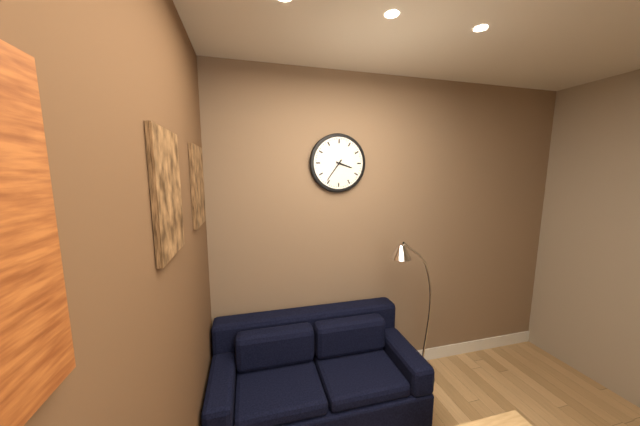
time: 3:36
